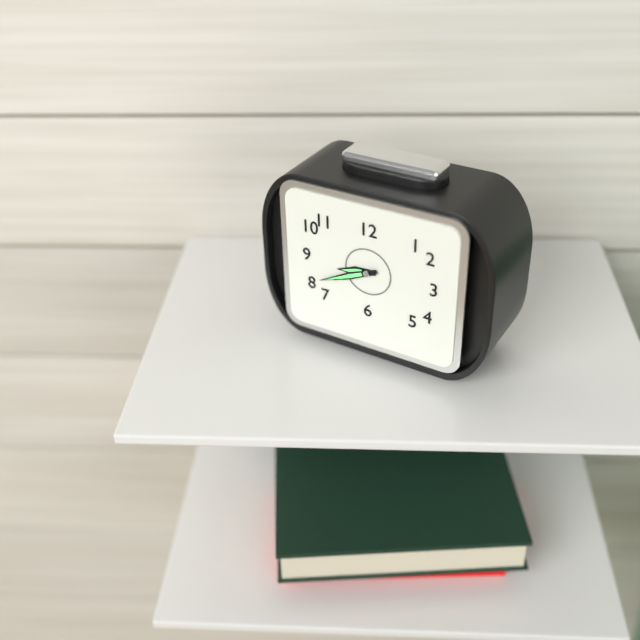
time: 8:41
